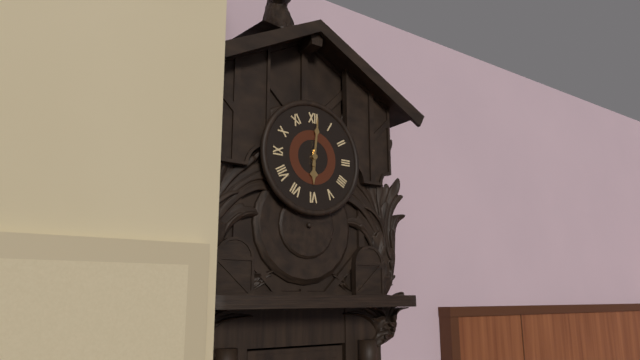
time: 6:01
